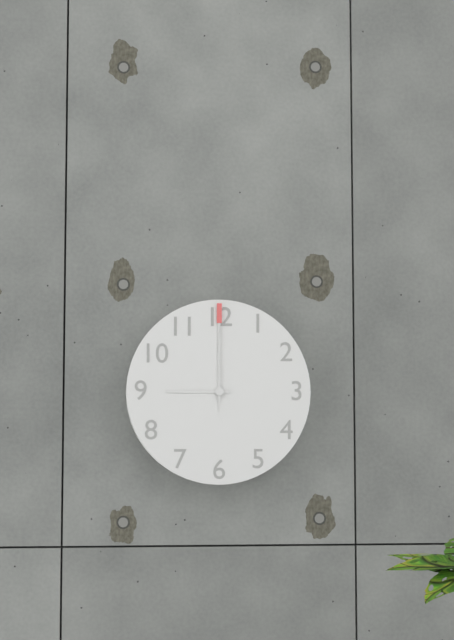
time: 9:00:00
